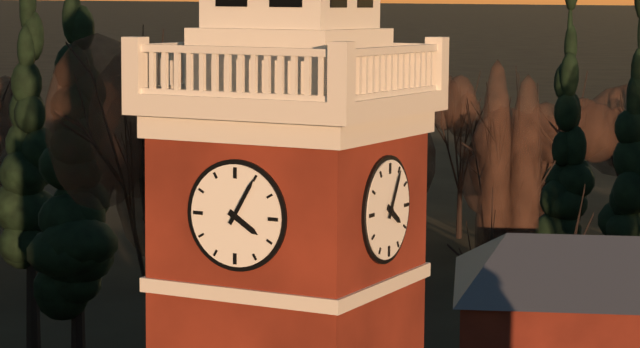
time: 4:05
